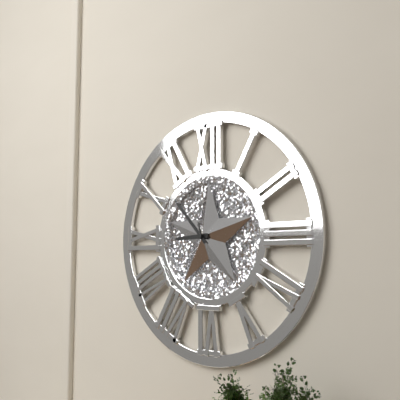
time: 8:53
